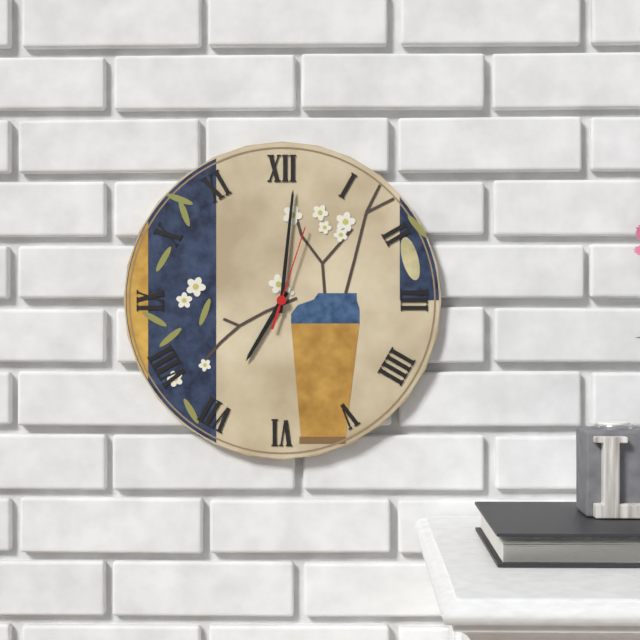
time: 7:01:03
